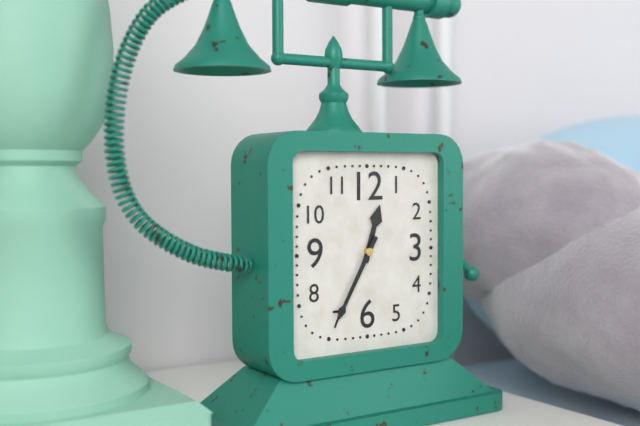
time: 12:35
